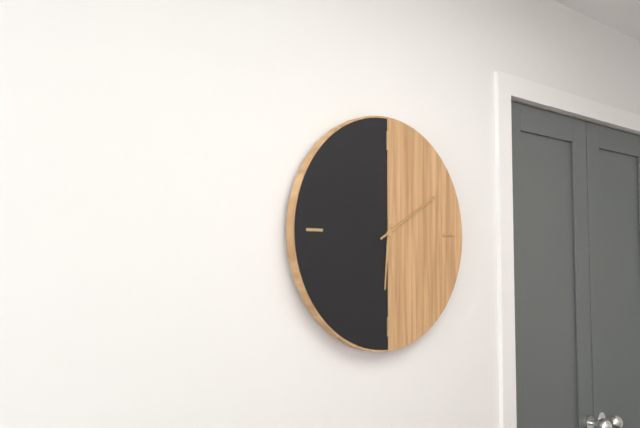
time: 6:10
